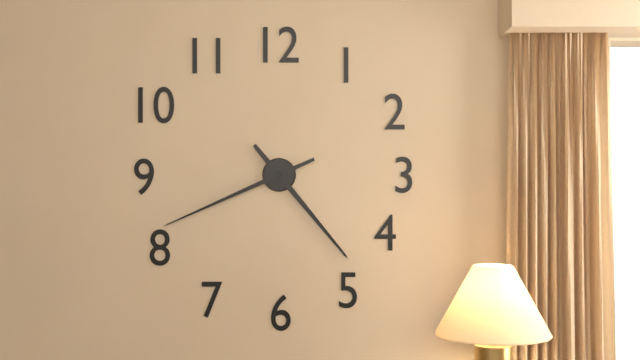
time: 4:41
